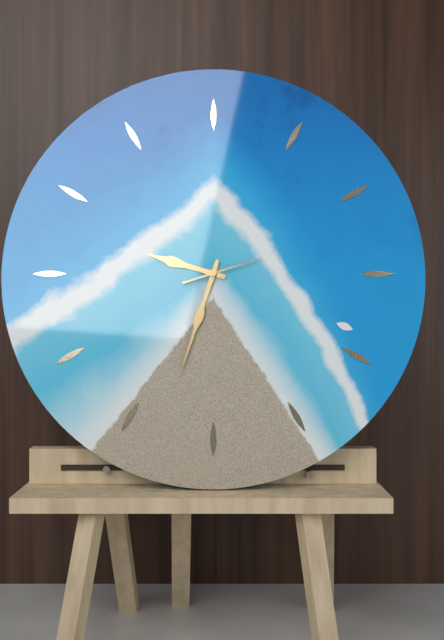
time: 9:33:12
